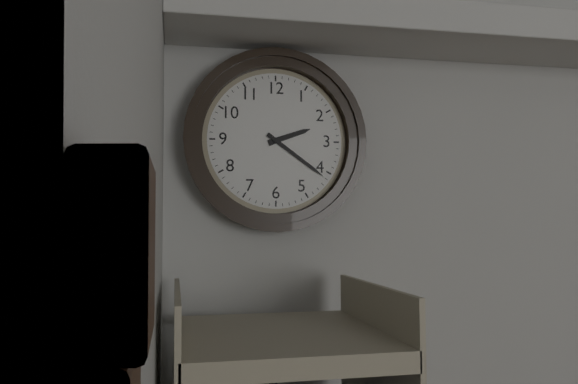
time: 2:21
